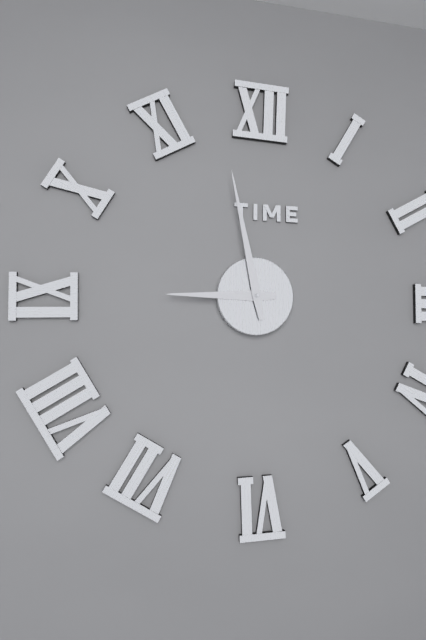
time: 8:58
